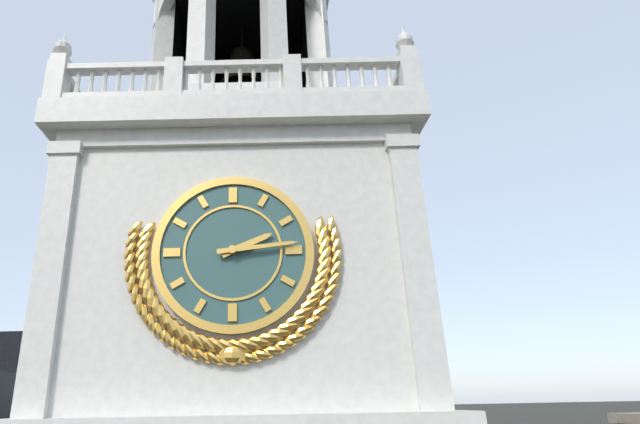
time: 2:14
